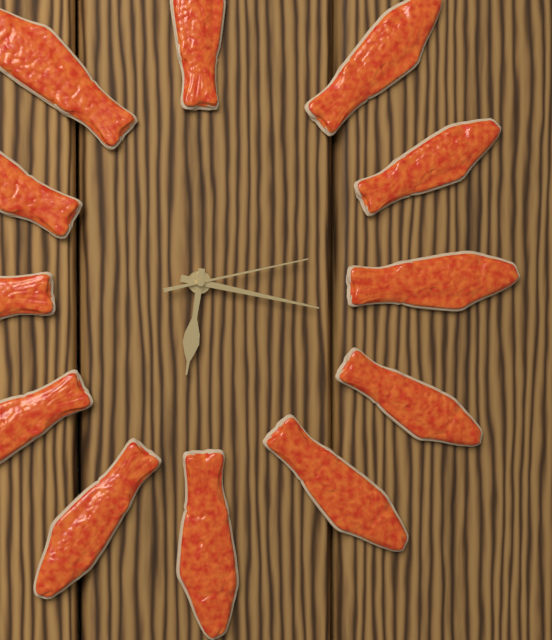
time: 6:17:13
